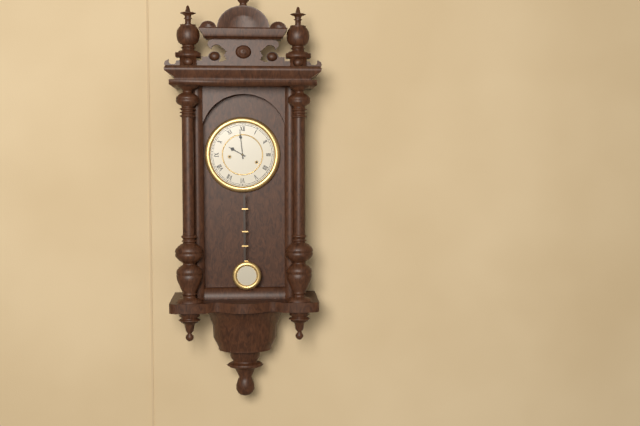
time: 9:59
